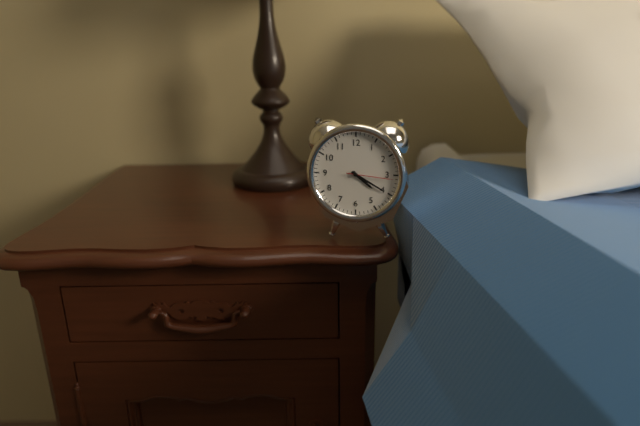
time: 4:20
